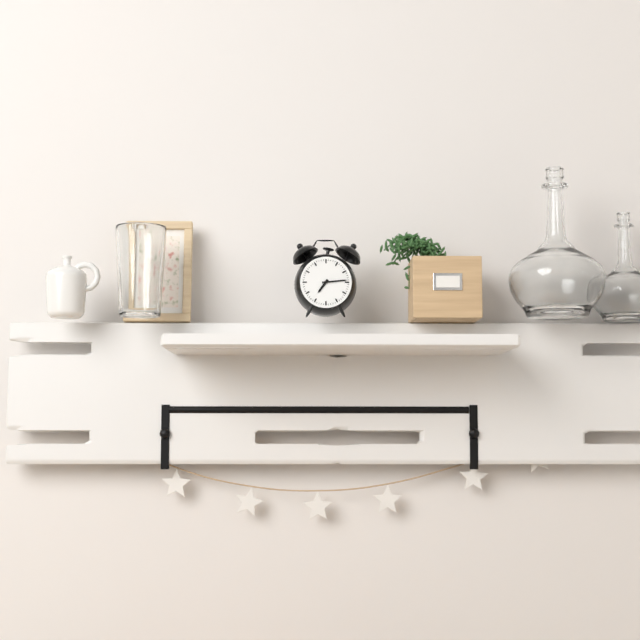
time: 7:14
